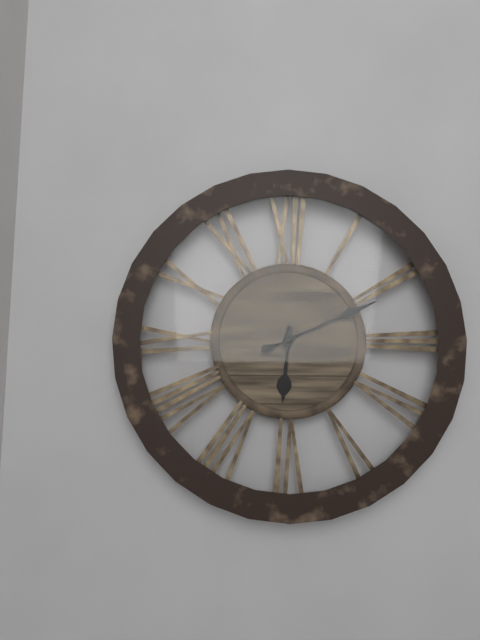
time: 6:11
